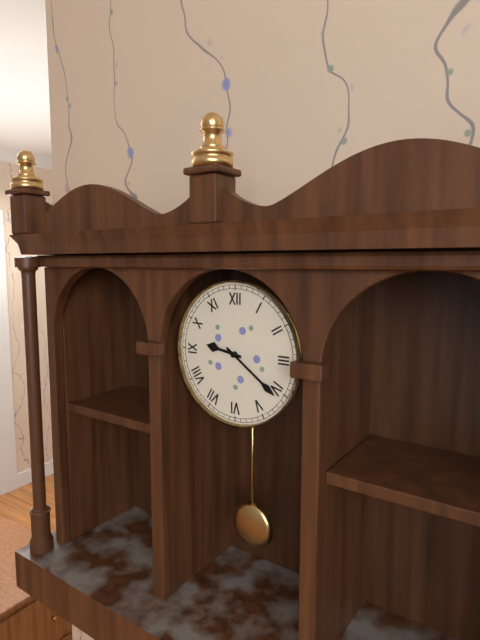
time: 9:21
